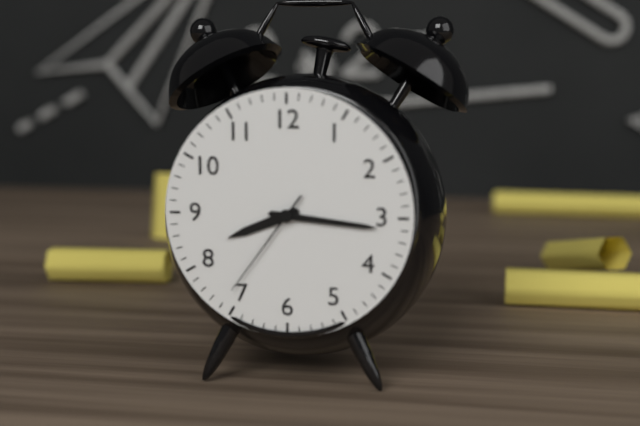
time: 8:16:36
